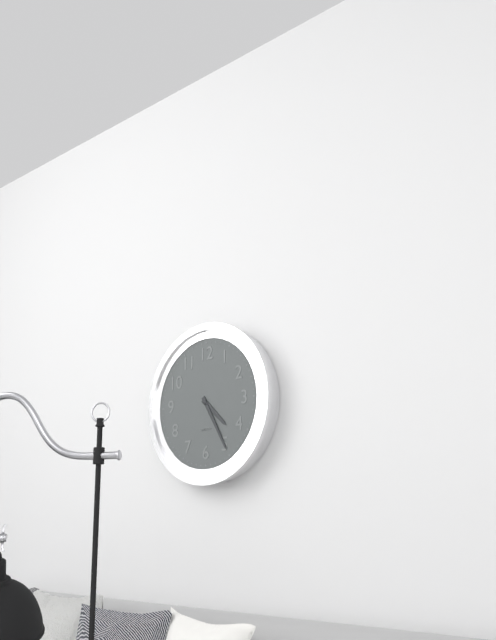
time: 4:25
